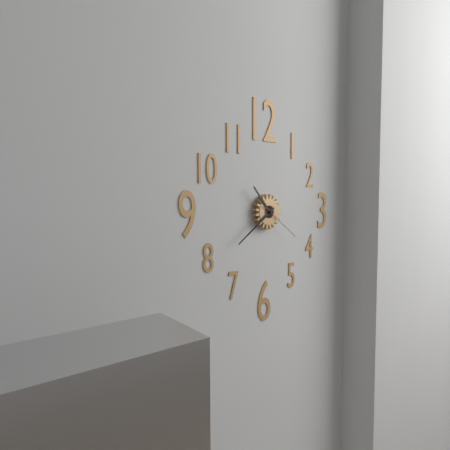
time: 10:39
